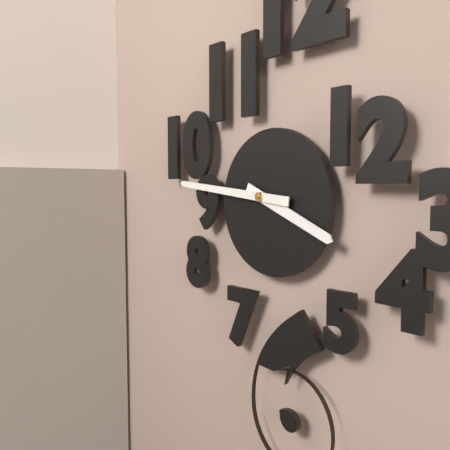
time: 3:46
